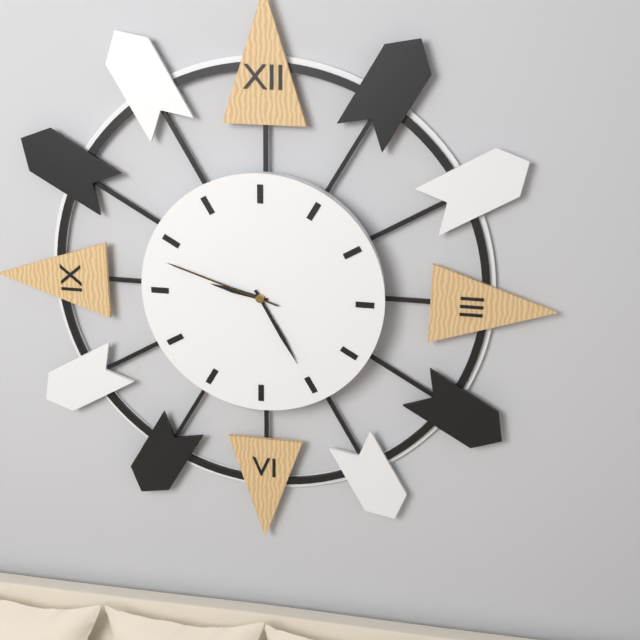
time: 9:25:48
